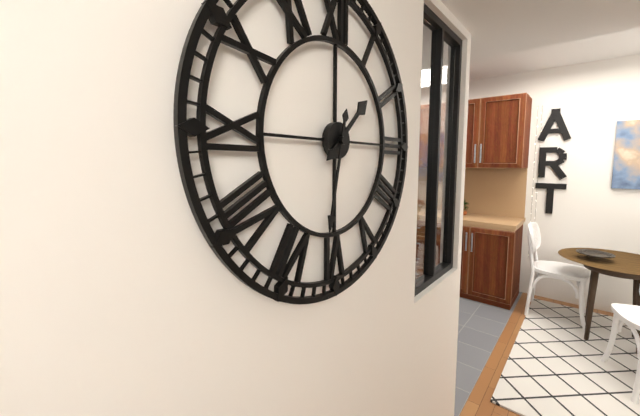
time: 1:32
